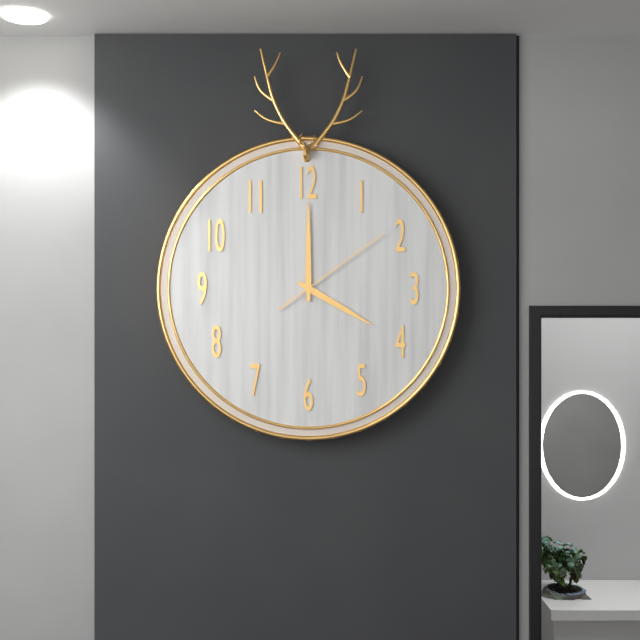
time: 4:00:09
